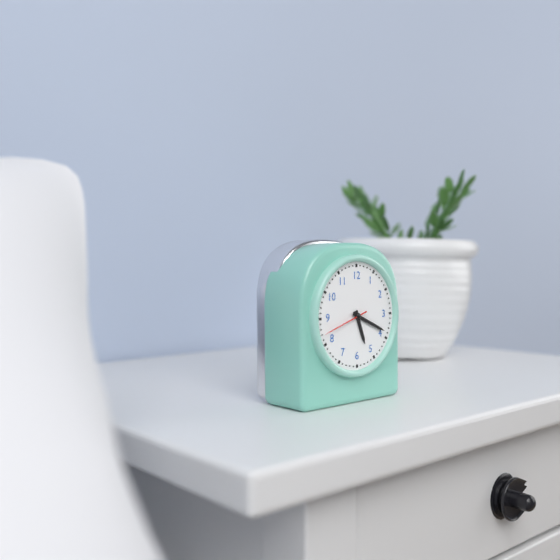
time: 5:19
